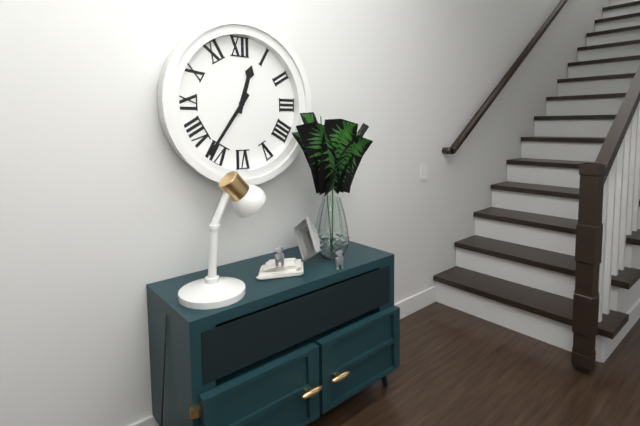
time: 12:36
